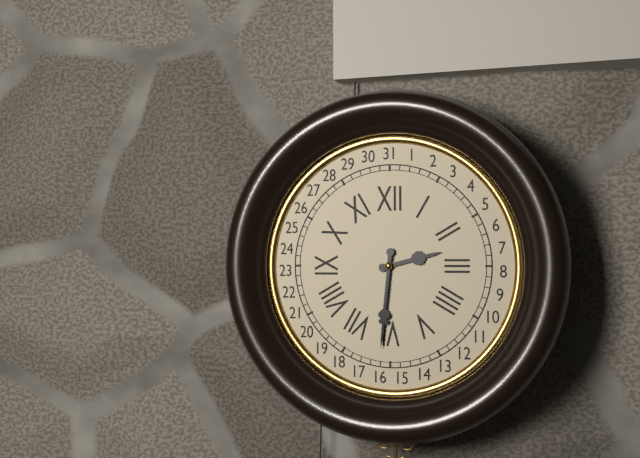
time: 2:31
